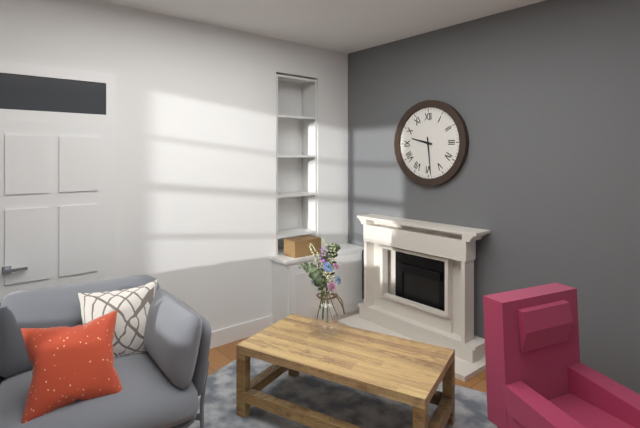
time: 9:29
